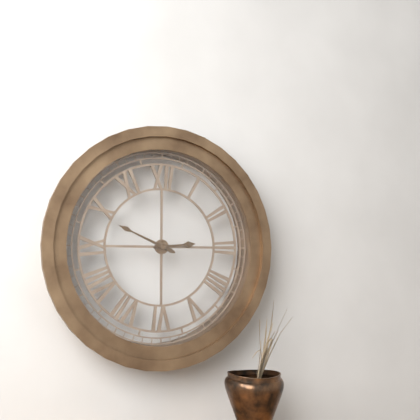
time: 2:49
